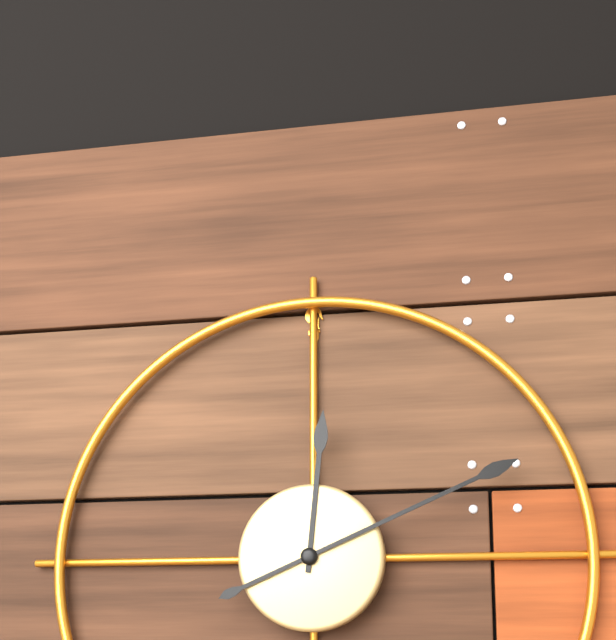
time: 12:11
